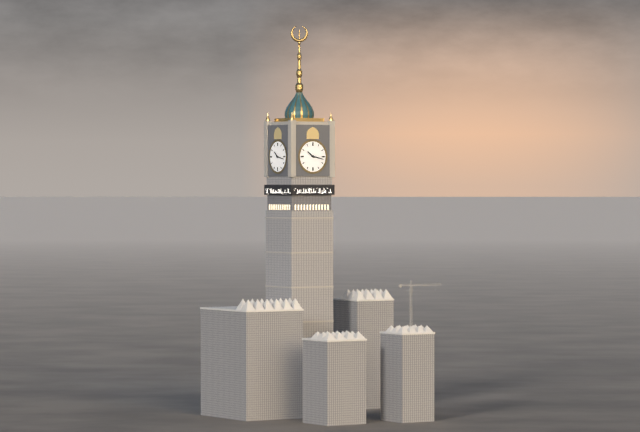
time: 10:17
